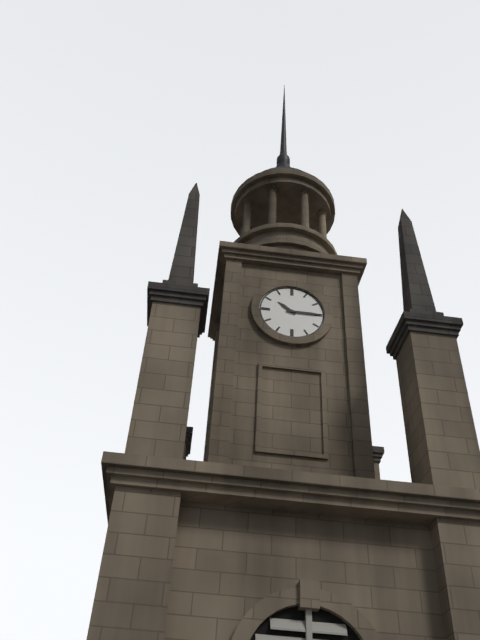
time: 10:15
